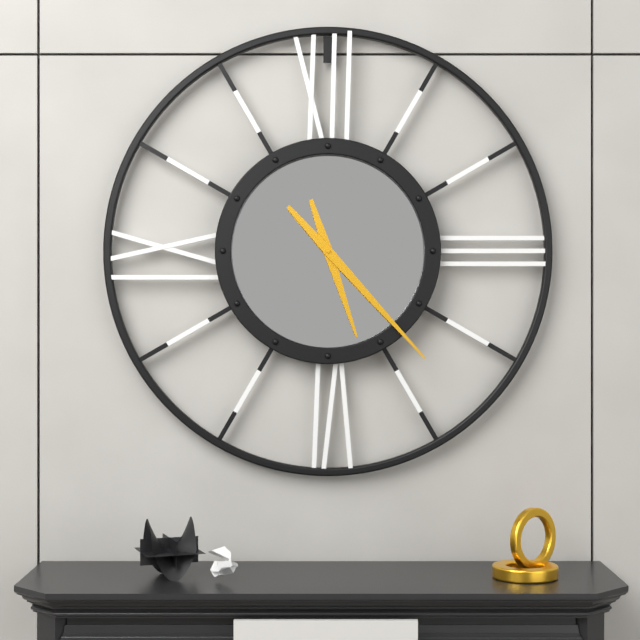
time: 5:23
